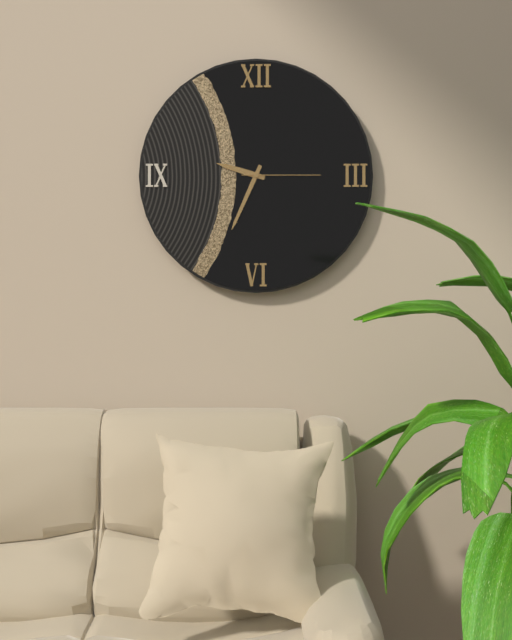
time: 9:34:15
